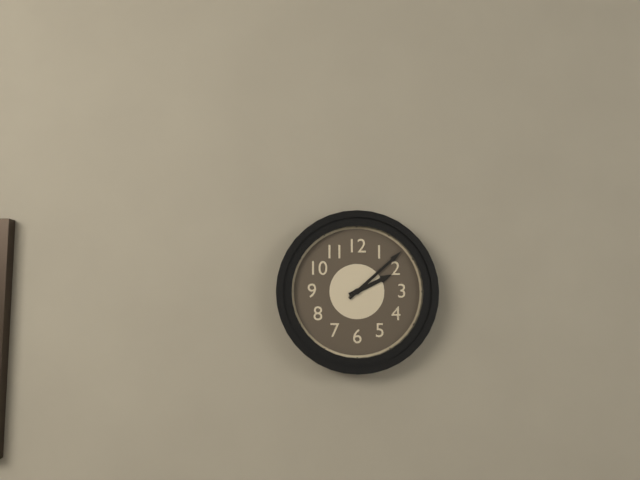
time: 2:08
